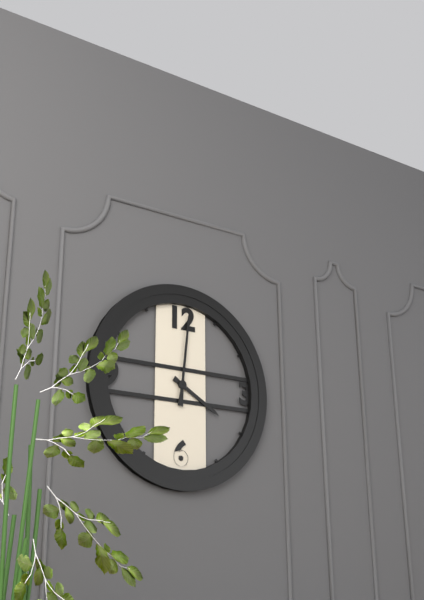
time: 4:01
